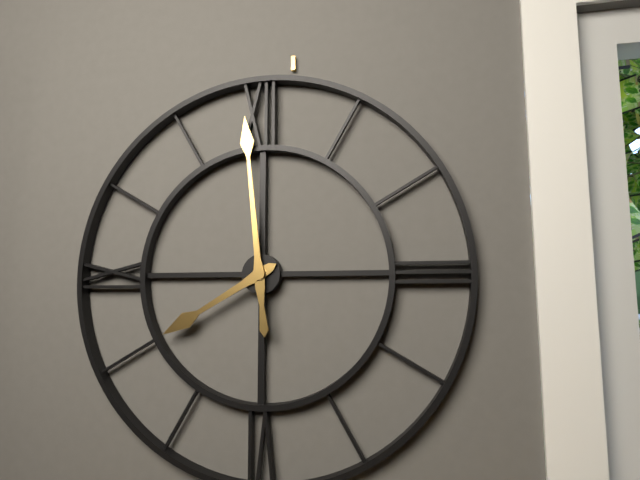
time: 7:59
